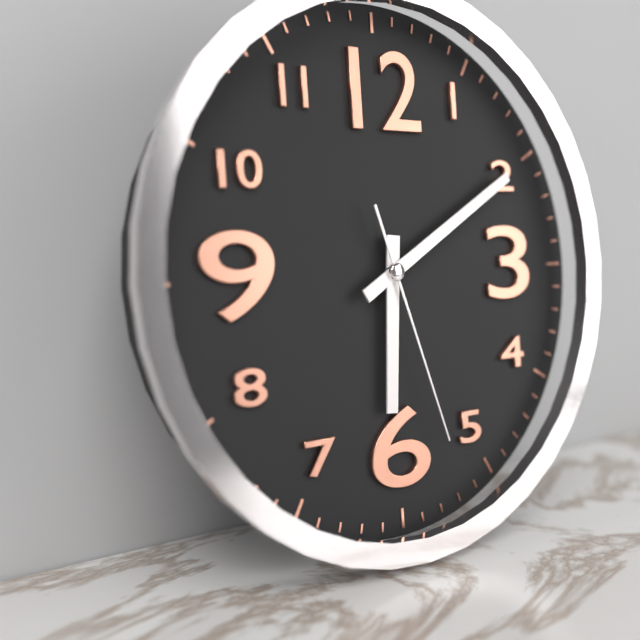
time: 6:10:27
